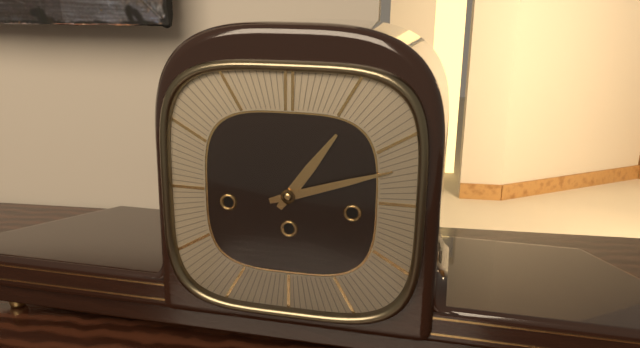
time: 1:12
